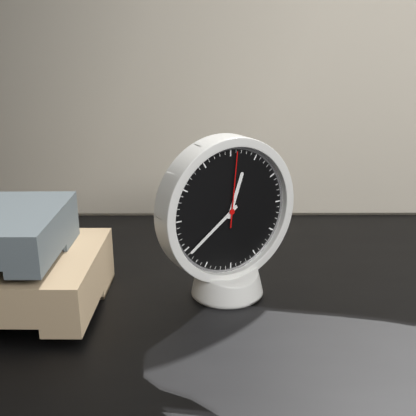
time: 12:39:01
